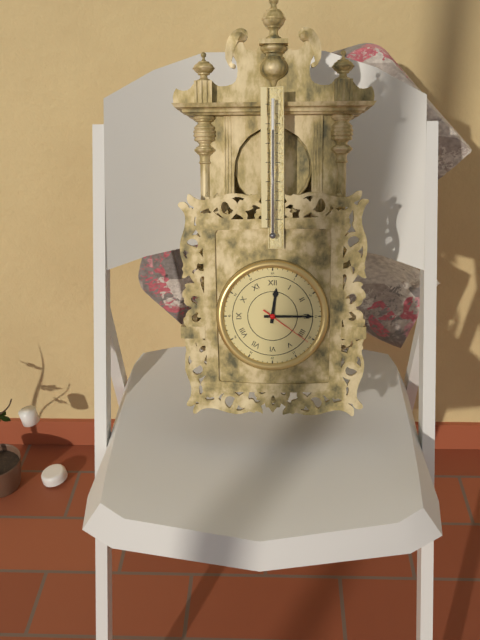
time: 12:15:21
